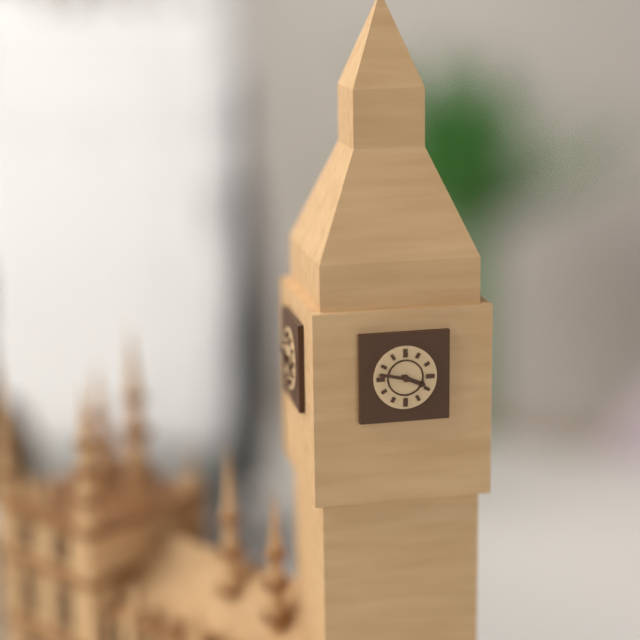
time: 3:47
